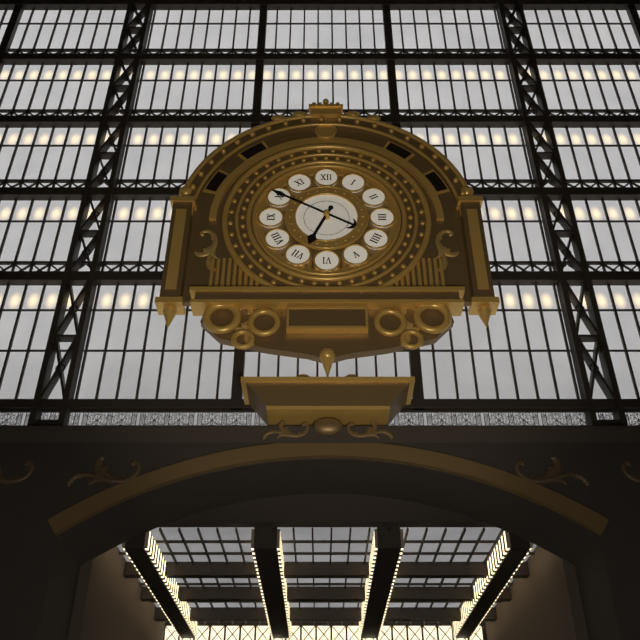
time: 6:50
